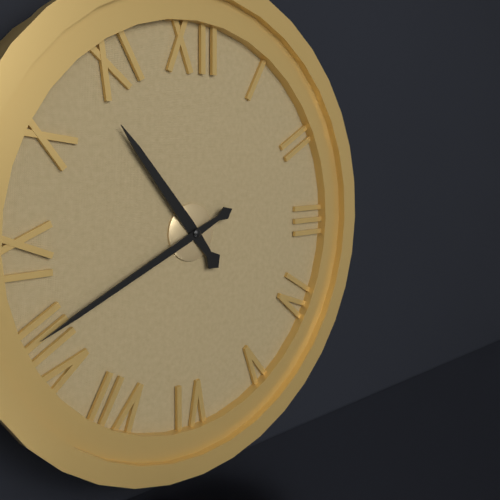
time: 10:41
